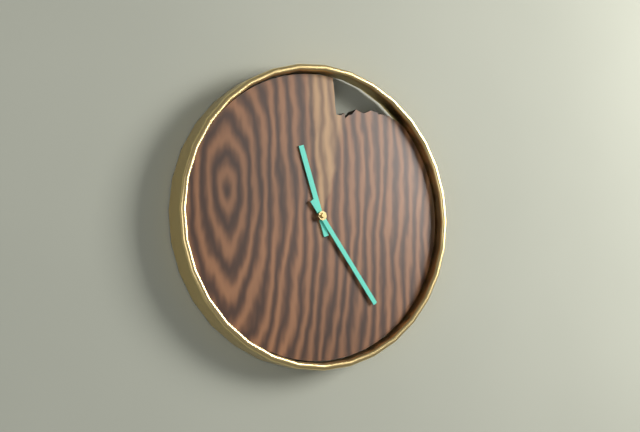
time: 11:24
